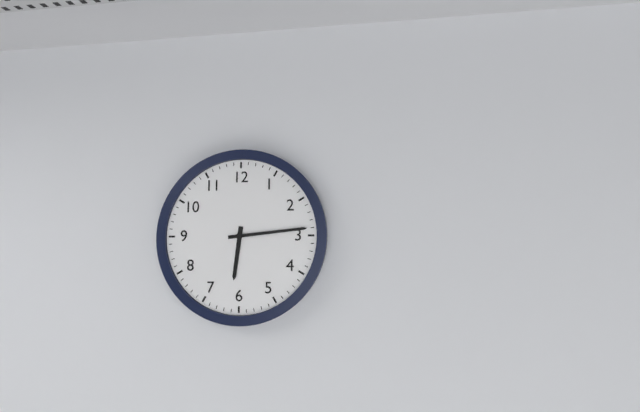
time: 6:14
